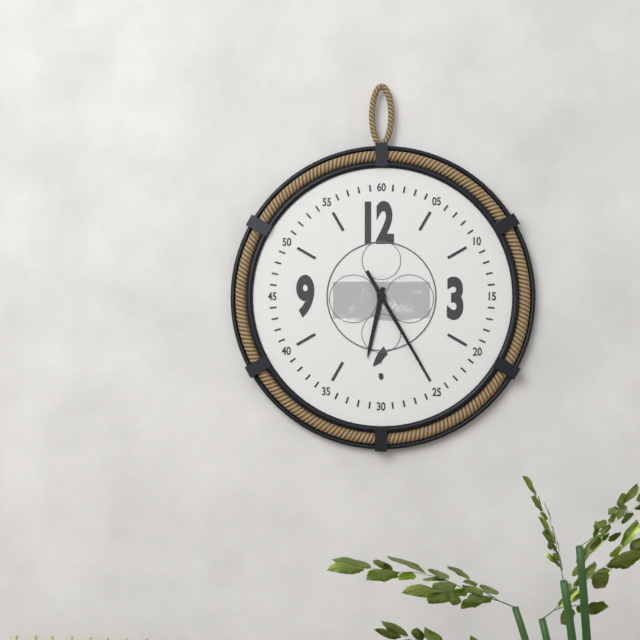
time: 6:25
